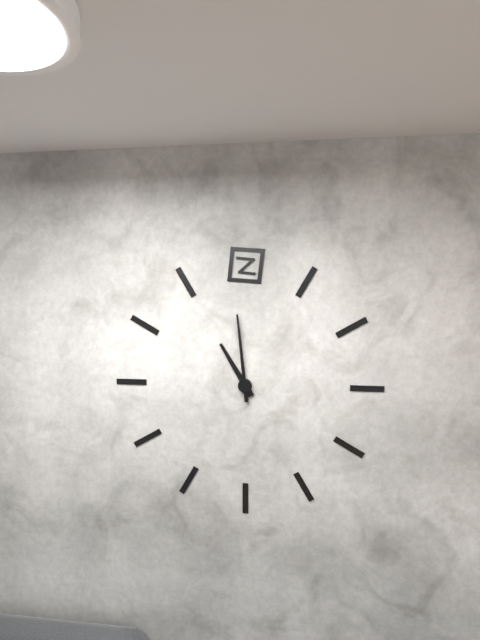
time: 10:59
